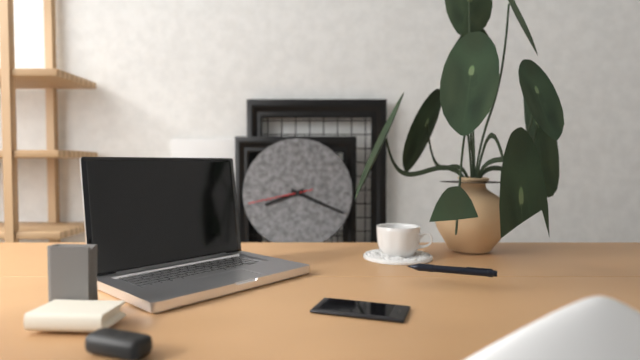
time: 8:19:43
